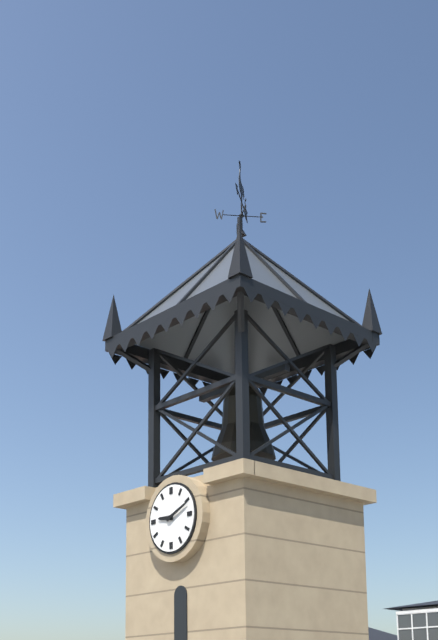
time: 9:11
